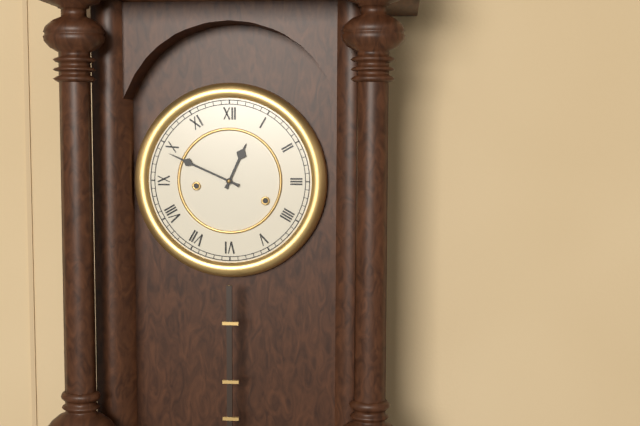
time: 12:49
